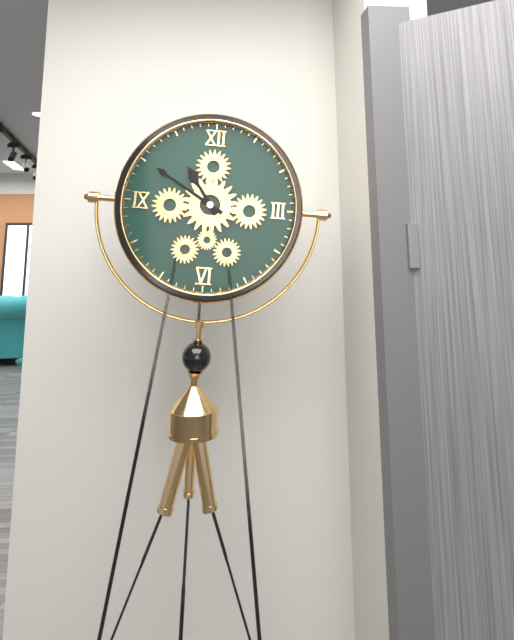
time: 10:50
